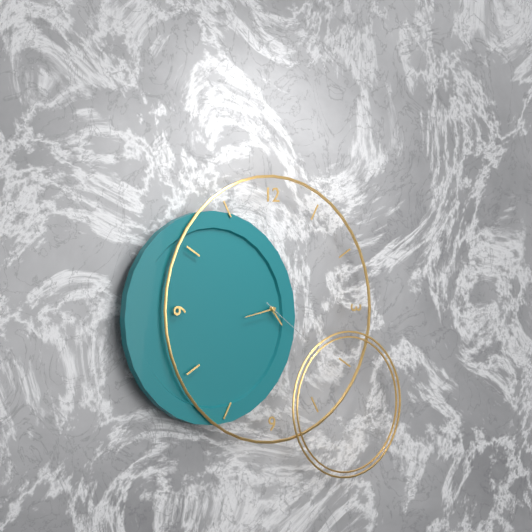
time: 4:43:21
